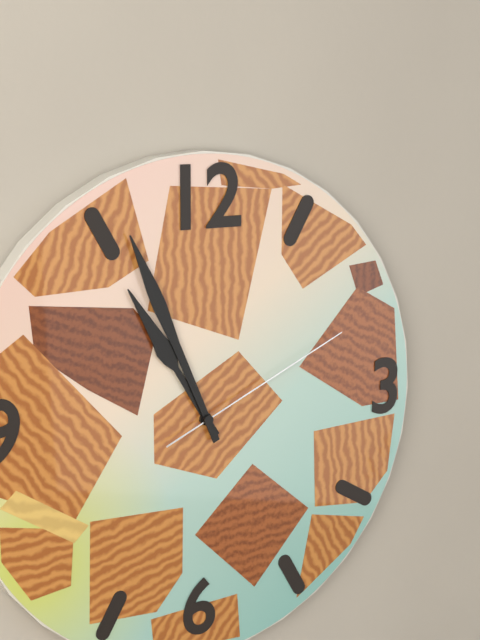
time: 10:56:11
